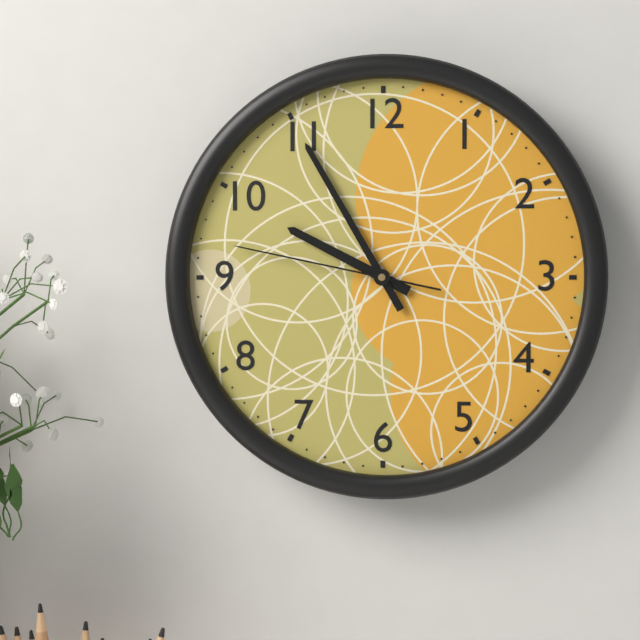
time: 9:55:47
